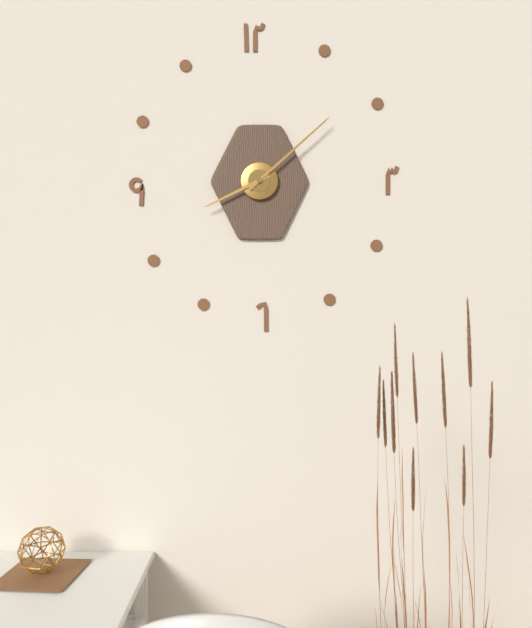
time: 8:08
